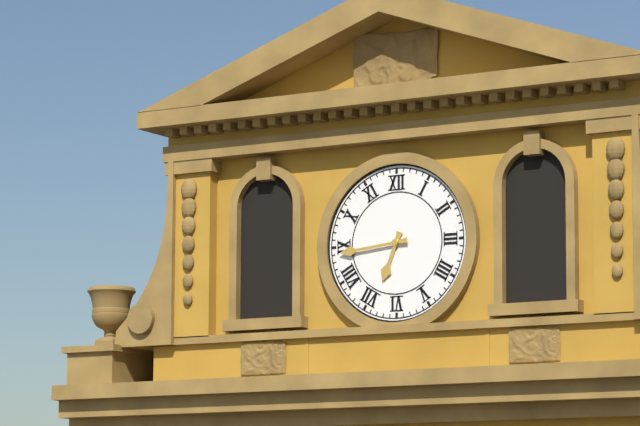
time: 6:44
